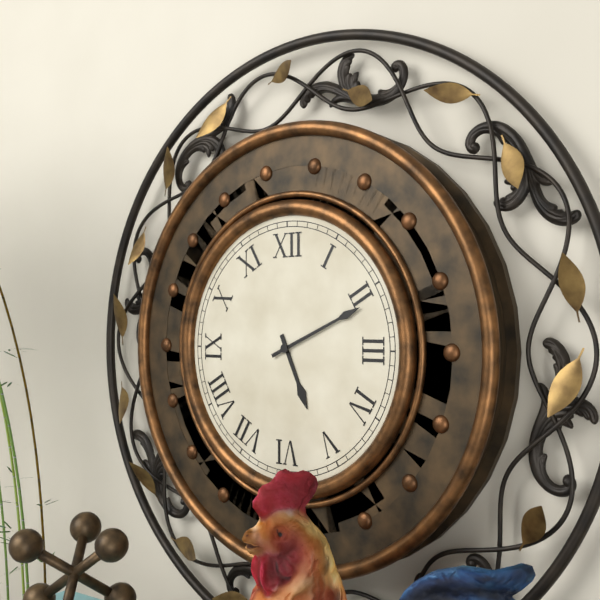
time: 5:11
